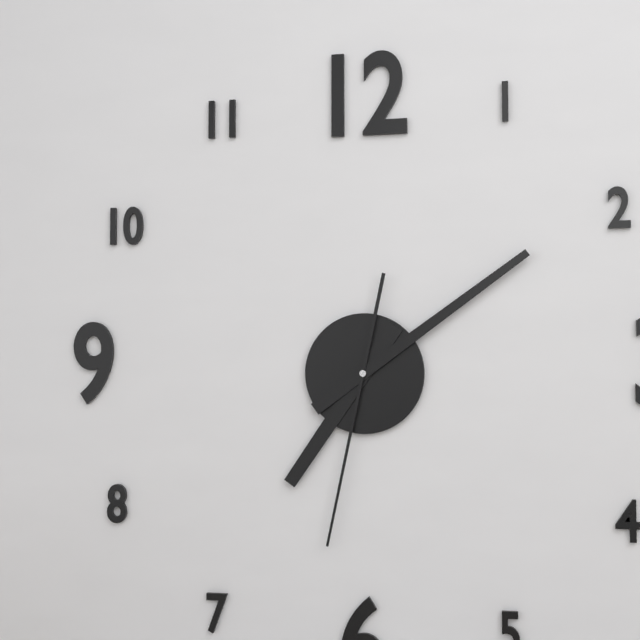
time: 7:09:32
